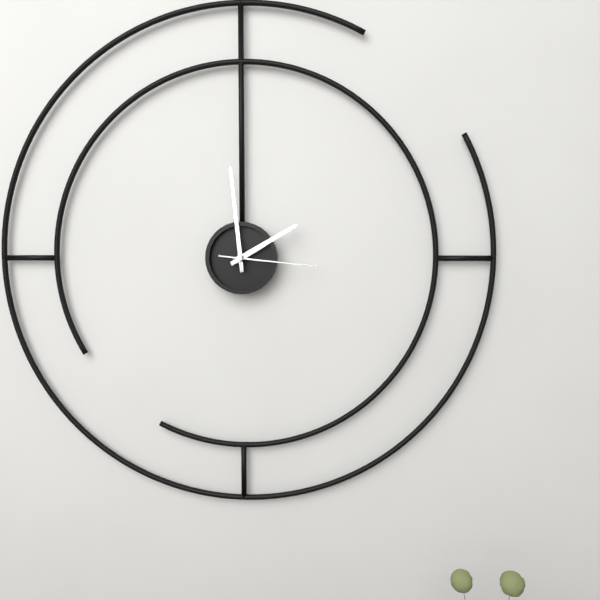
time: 1:59:16
